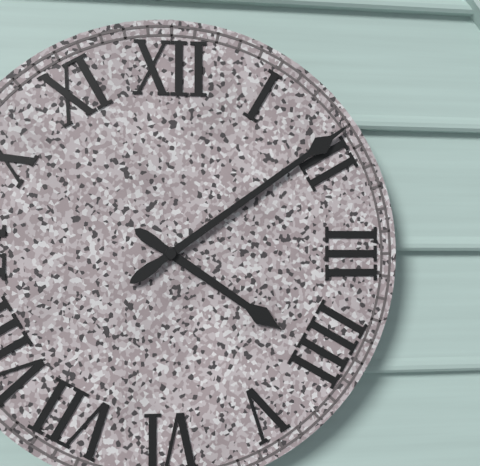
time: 4:09
